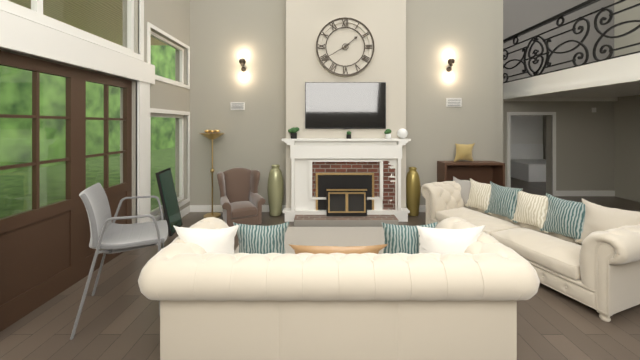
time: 1:40
